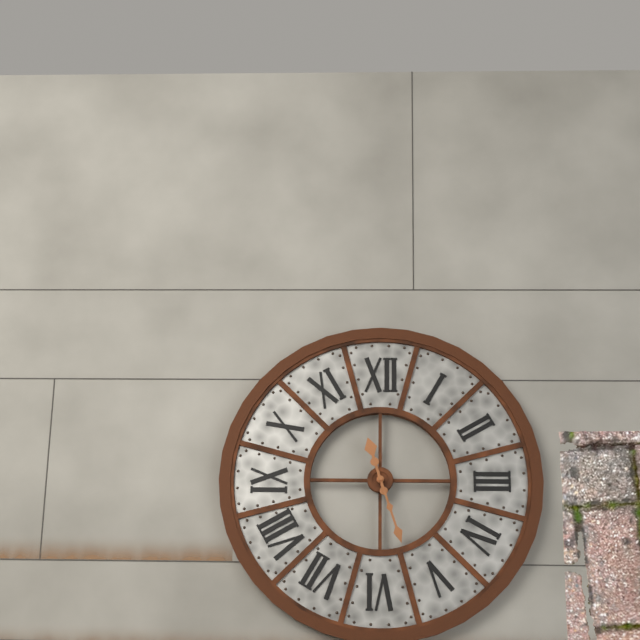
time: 11:27
